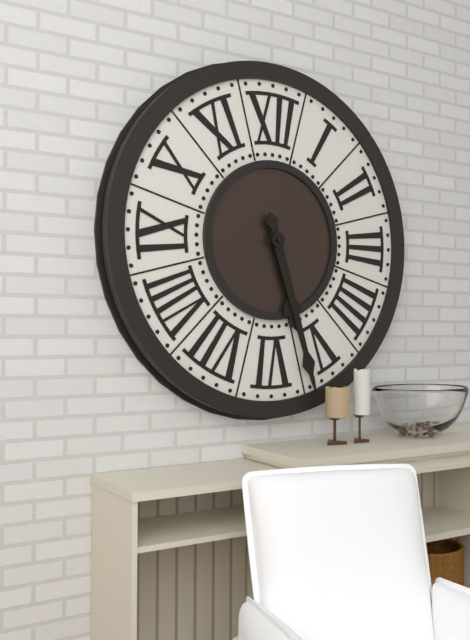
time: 5:27
